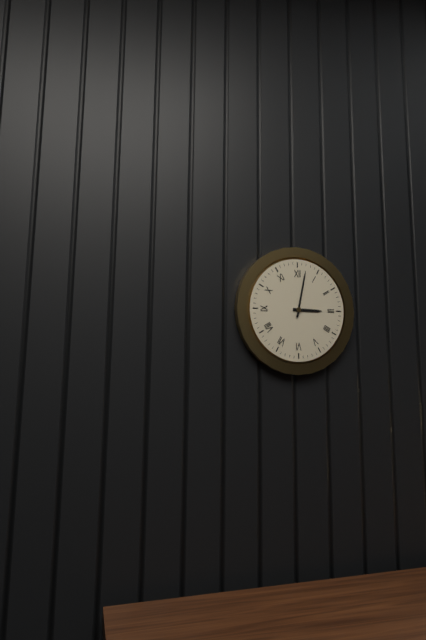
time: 3:02
